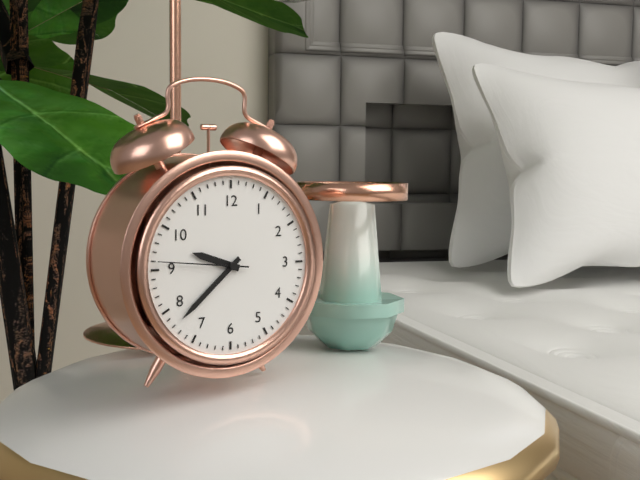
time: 9:38:46
